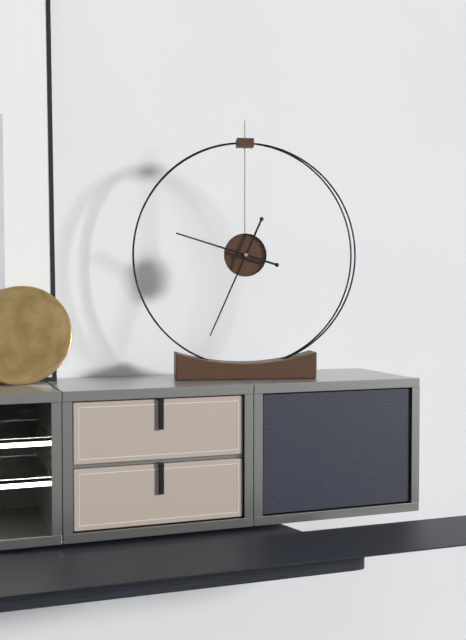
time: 9:34
